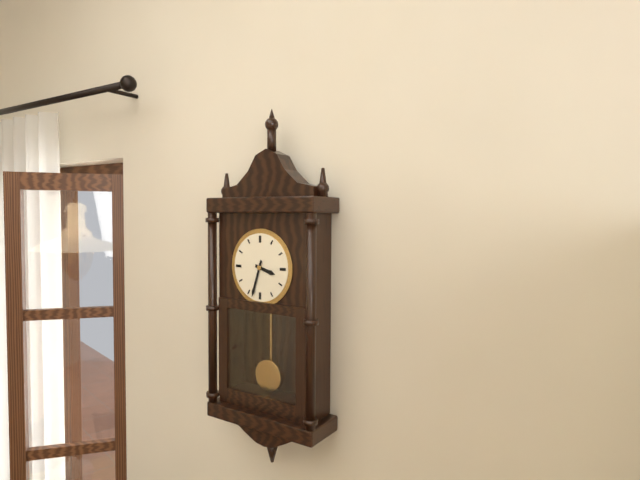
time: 3:33
